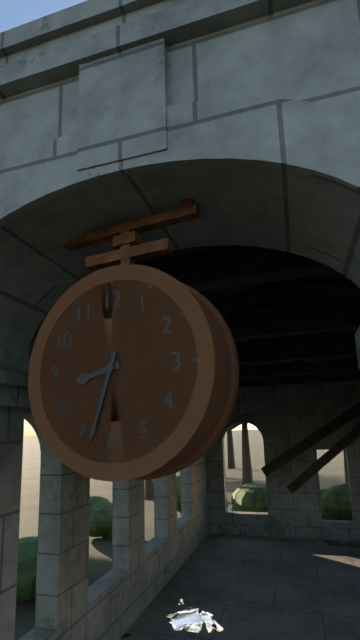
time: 8:33
